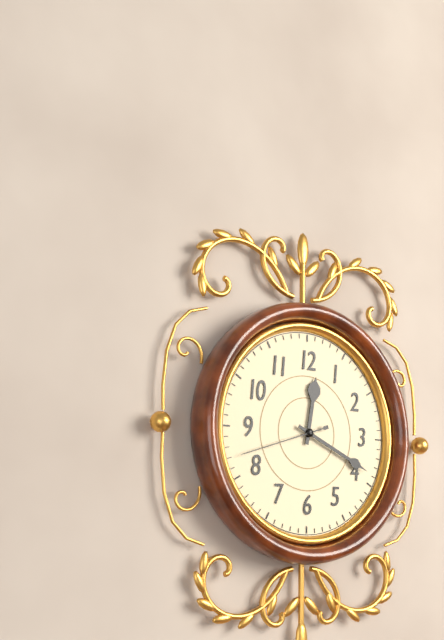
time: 12:19:42
